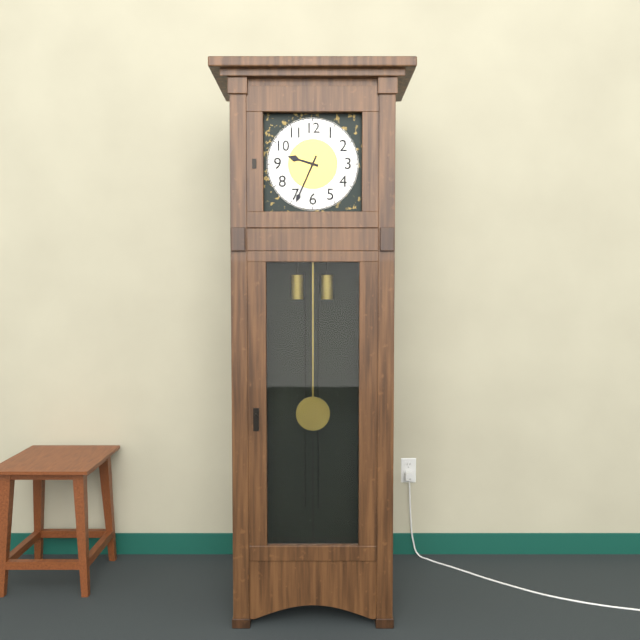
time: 9:34
